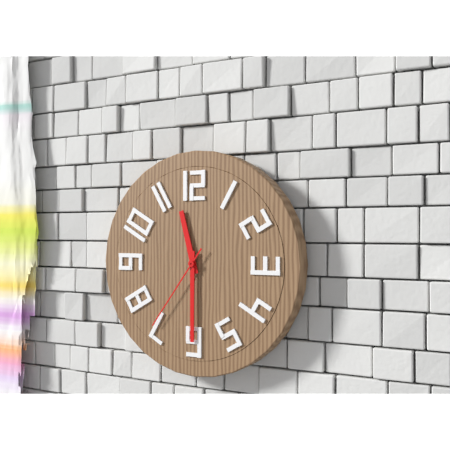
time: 11:30:36
